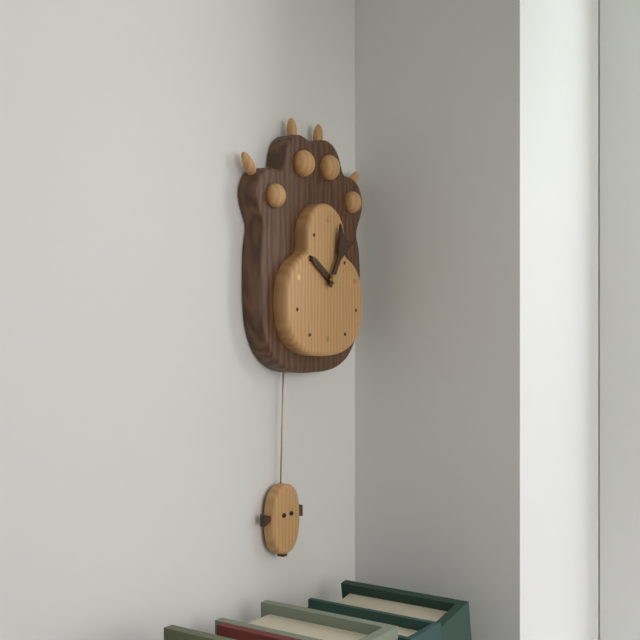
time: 10:05
